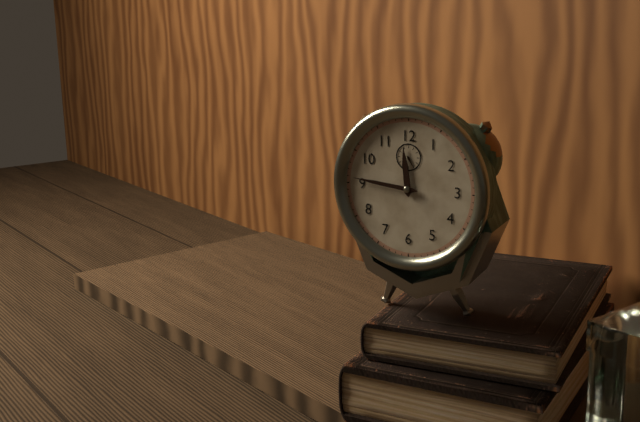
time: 11:46
